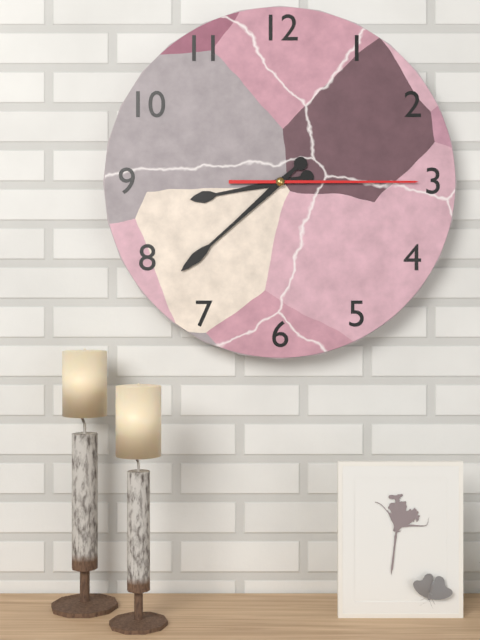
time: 8:38:15
